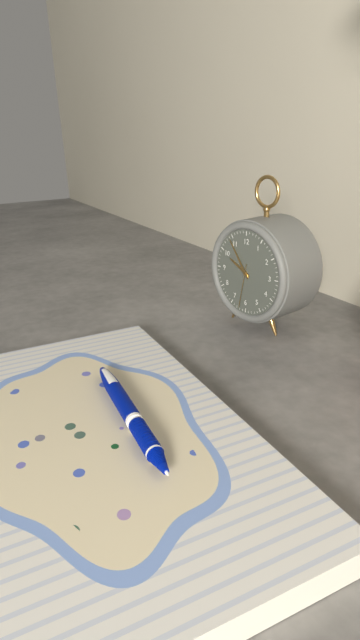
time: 9:54
